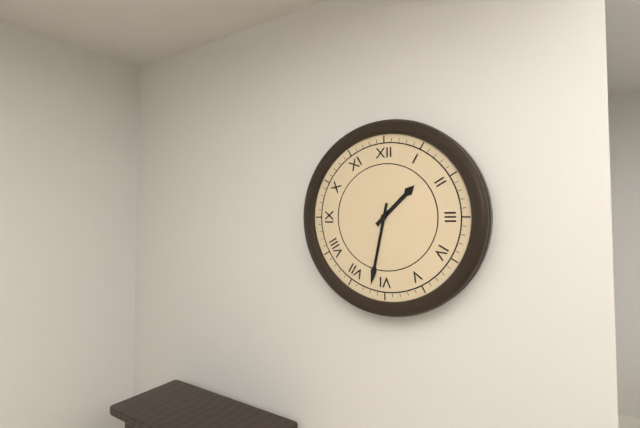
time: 1:32
